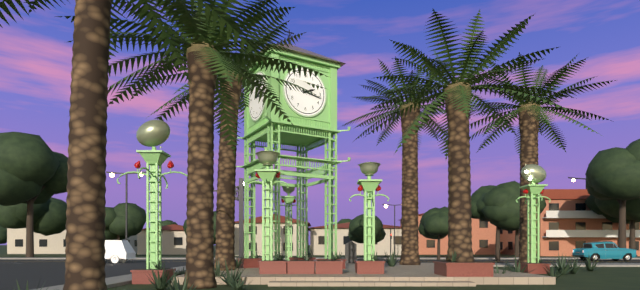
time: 2:17
